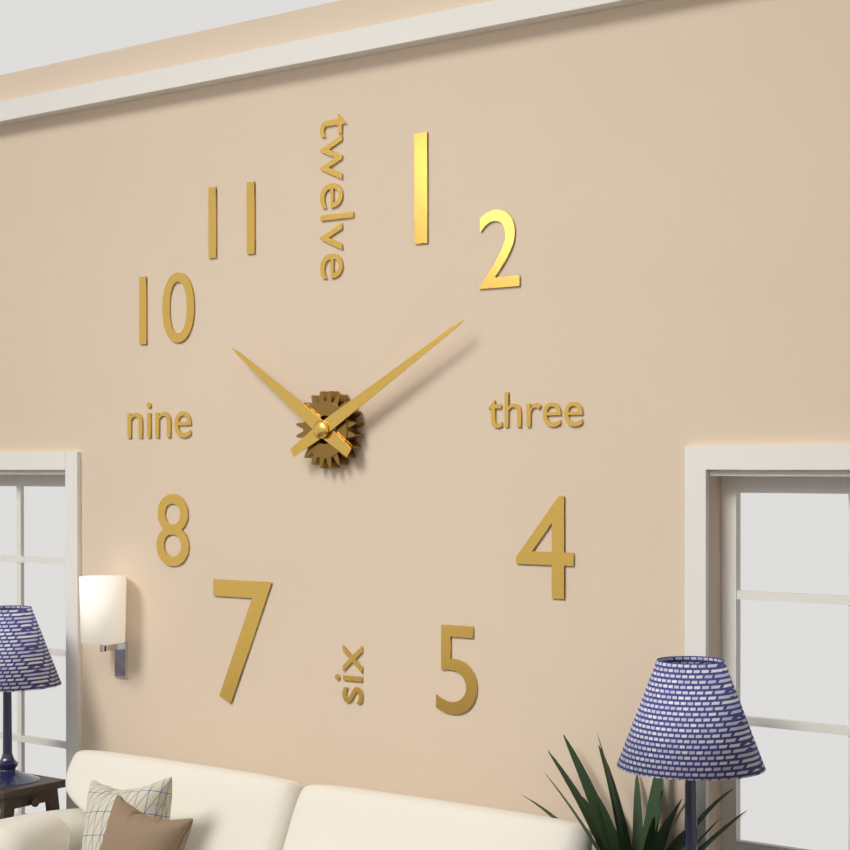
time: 10:10
